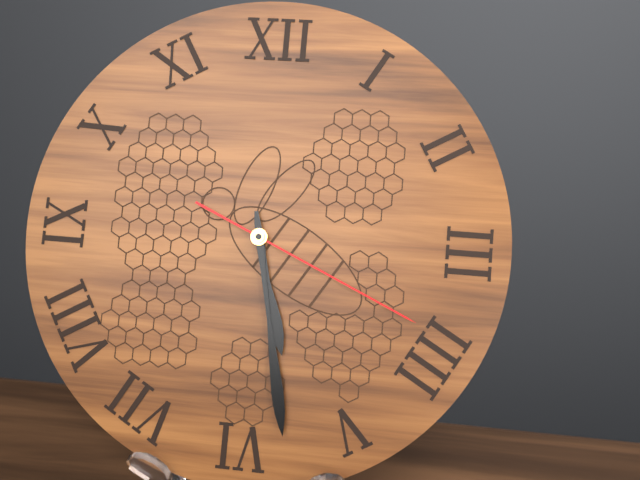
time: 5:28:19
